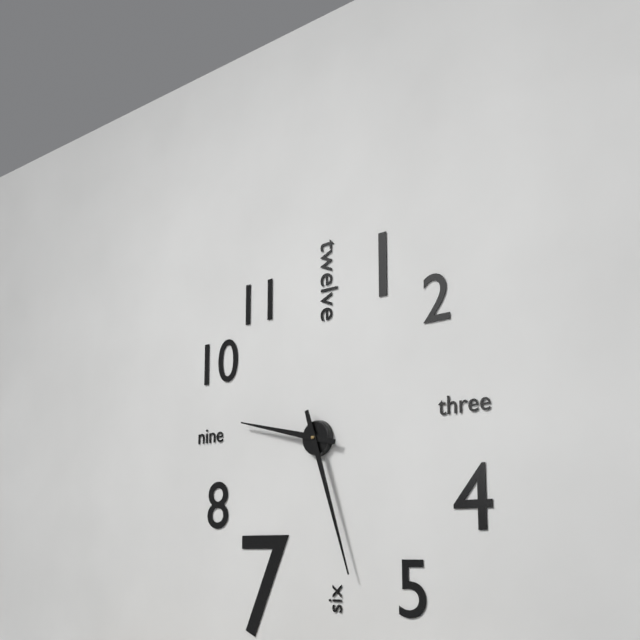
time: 9:27
